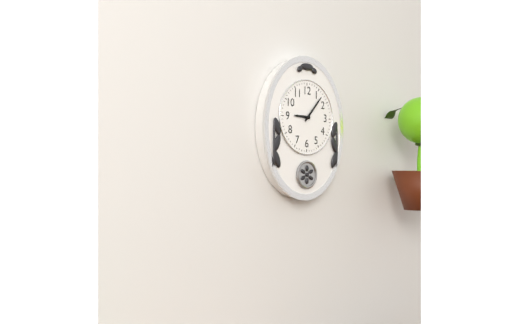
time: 9:07
